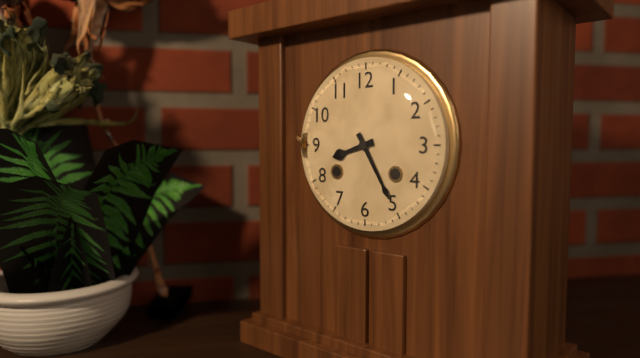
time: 8:25
